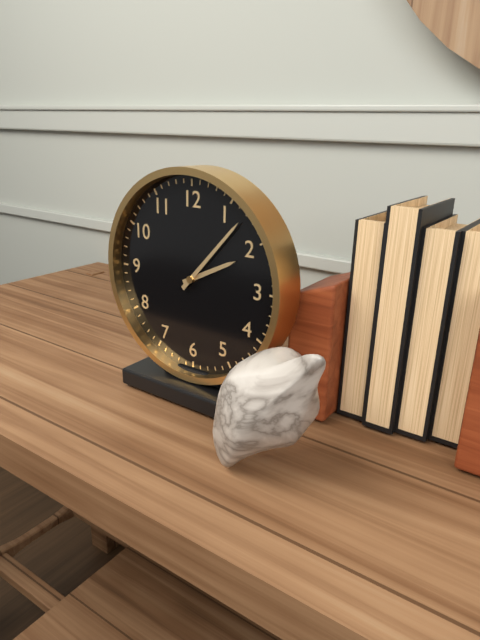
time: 2:07
